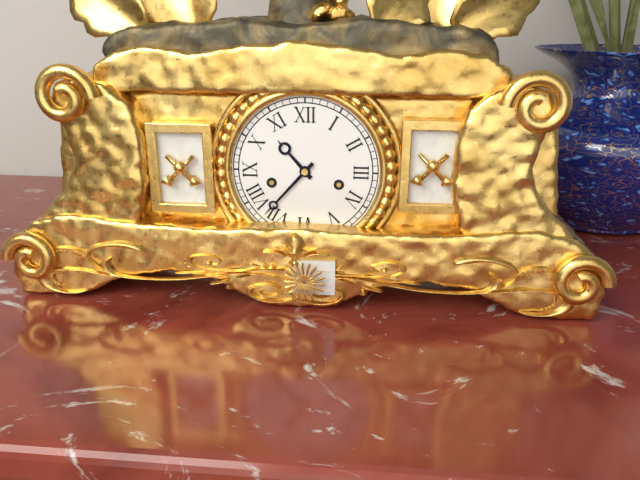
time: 10:37
